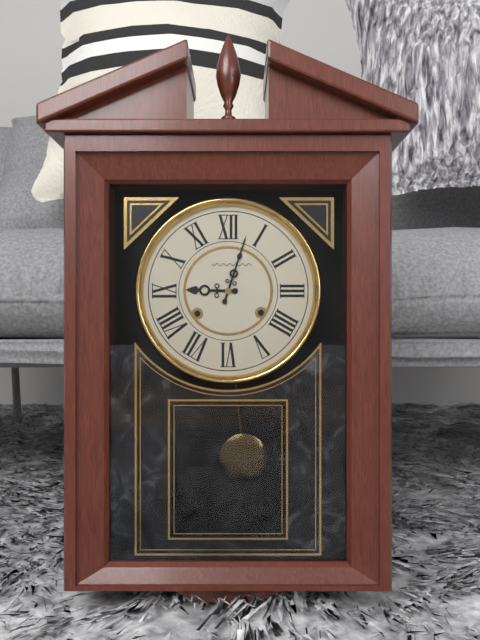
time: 9:03
